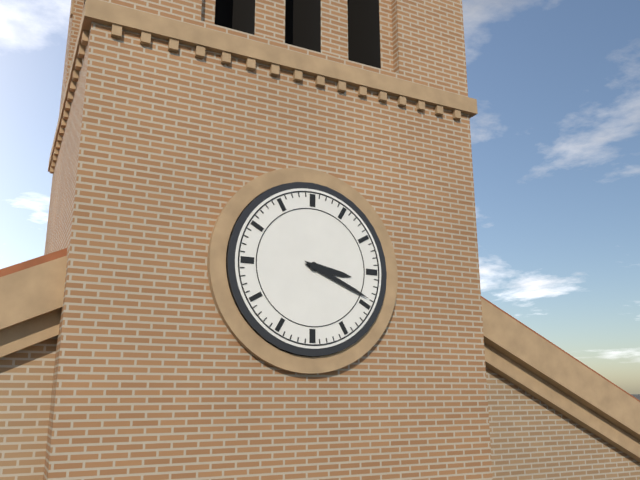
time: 3:19
